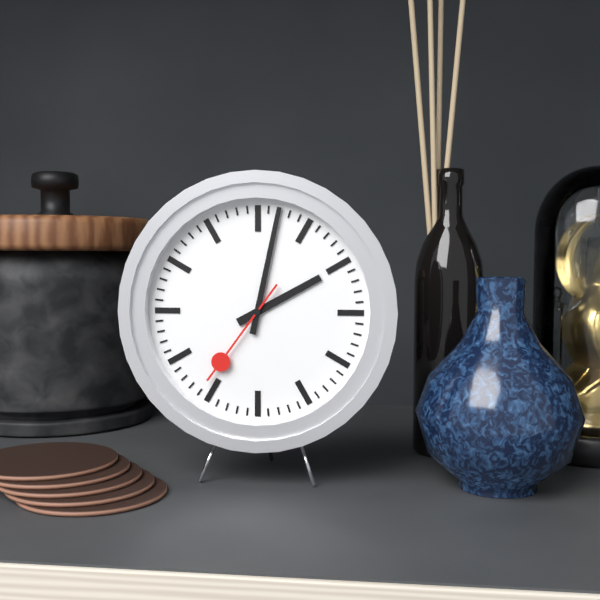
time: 2:02:36
